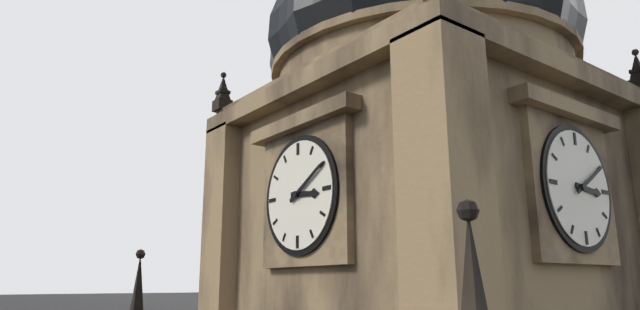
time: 3:10
